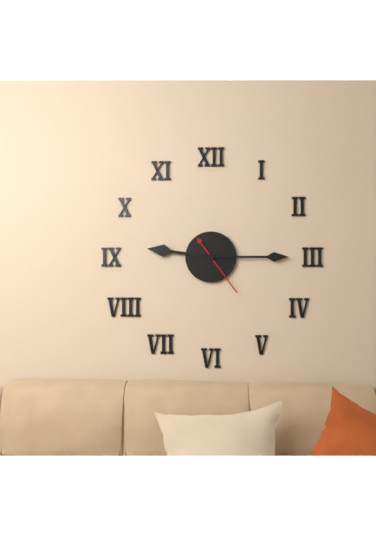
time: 9:15:24
